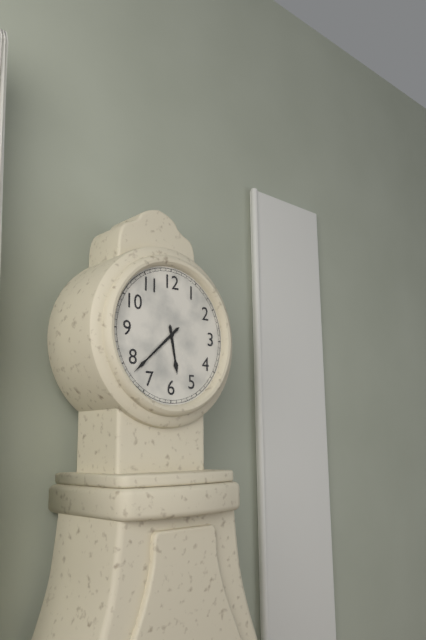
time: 5:38
